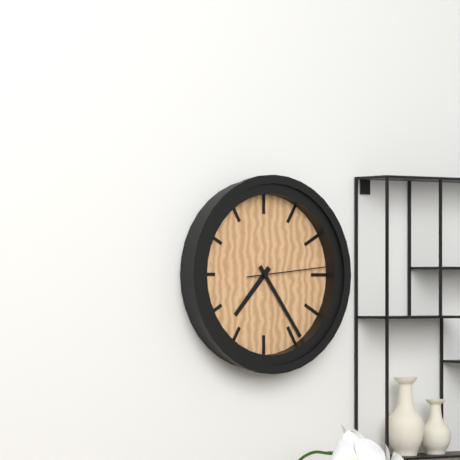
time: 7:24:14
